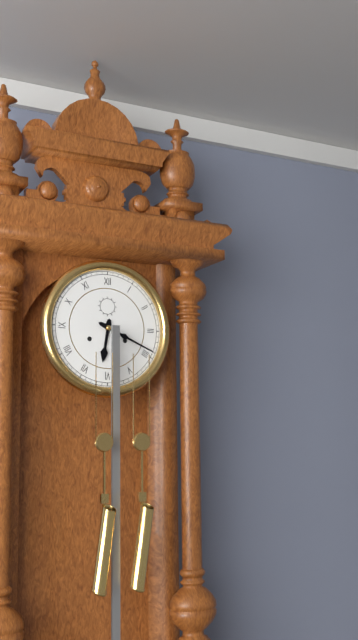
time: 6:19
